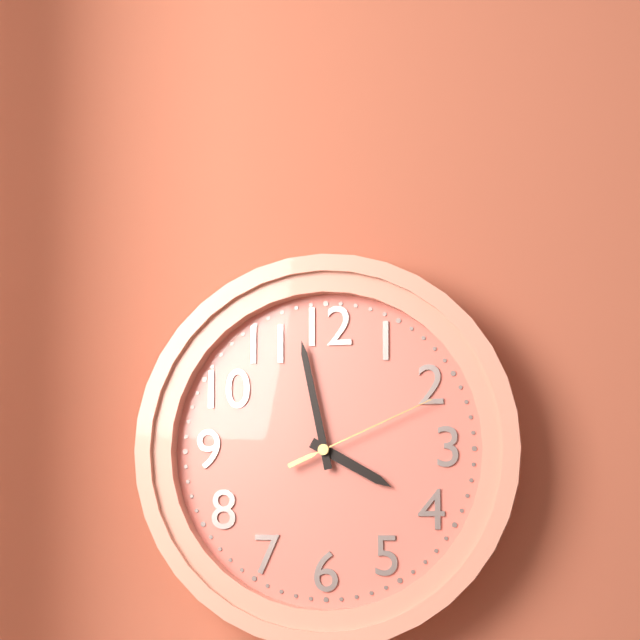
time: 3:58:11
